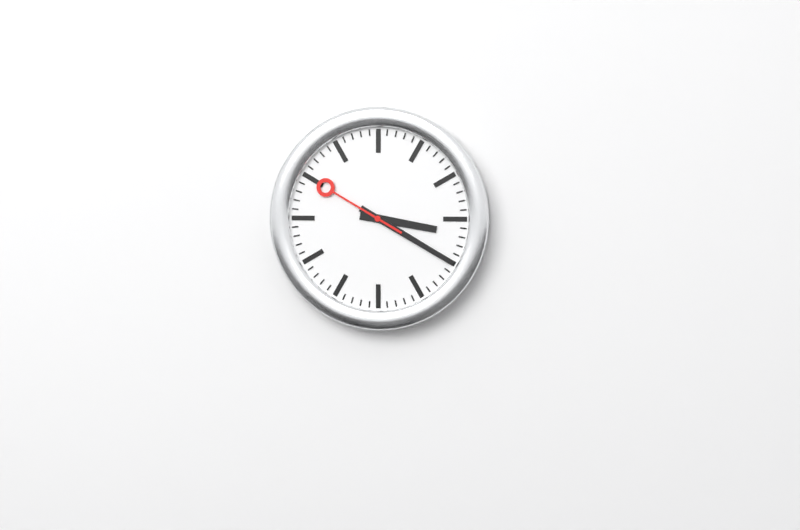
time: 3:20:50
